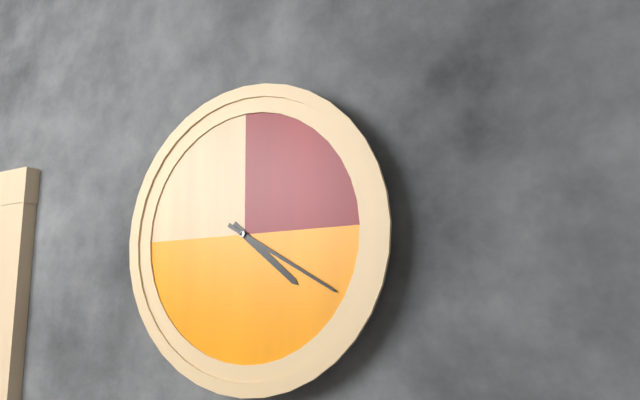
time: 4:20
